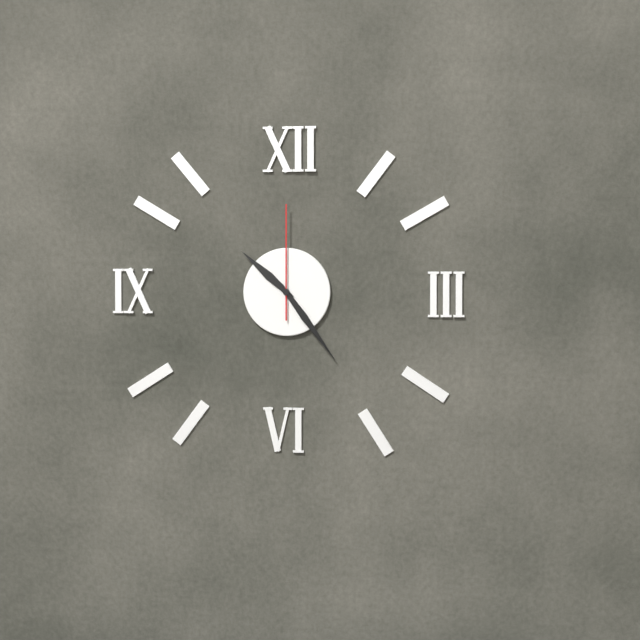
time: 10:24:00
